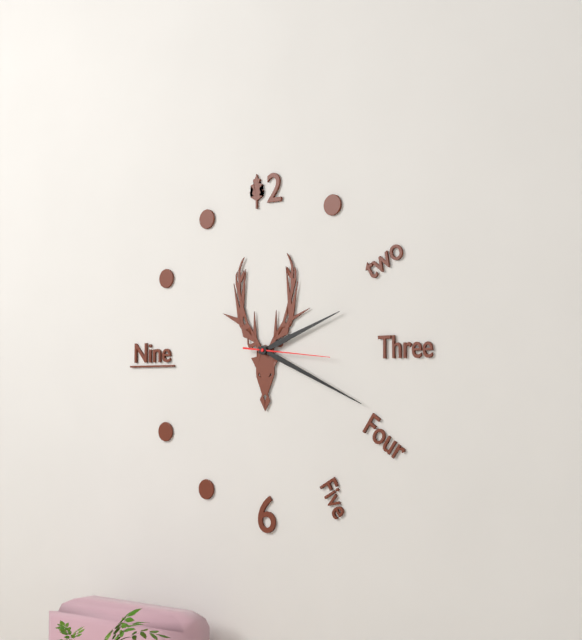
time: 2:19:16
